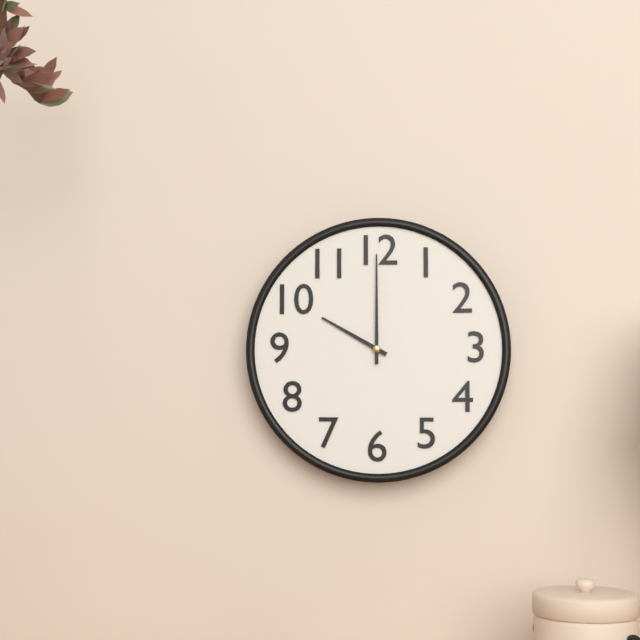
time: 10:00
